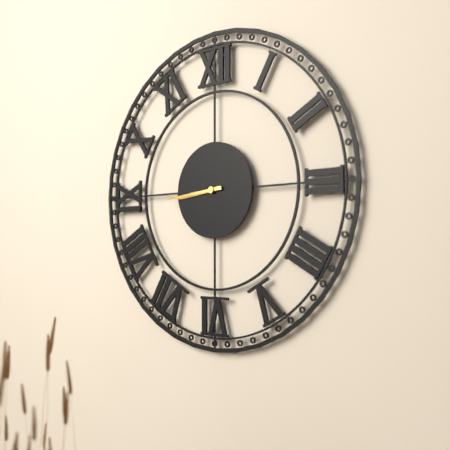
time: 8:44
